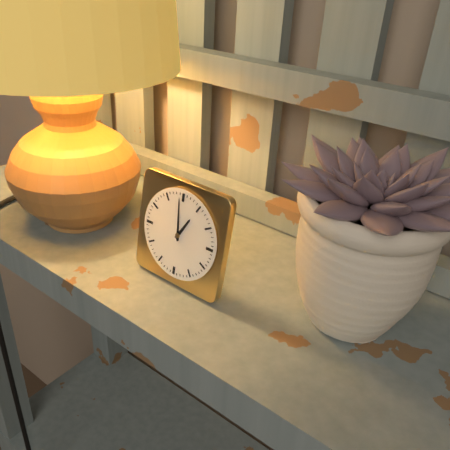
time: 12:59
